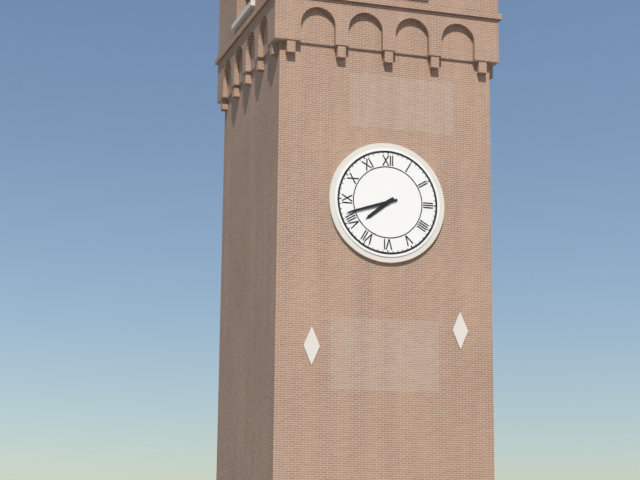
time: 7:42
